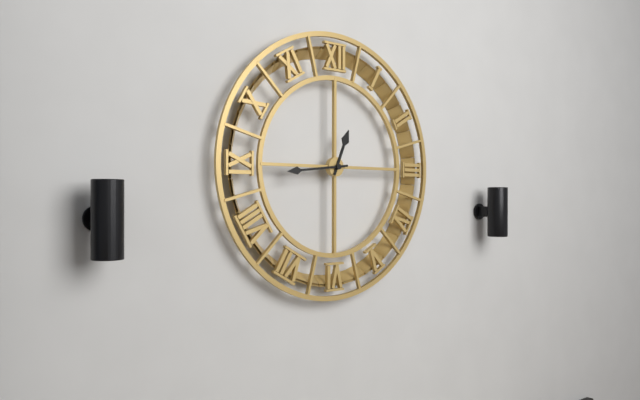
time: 12:44
